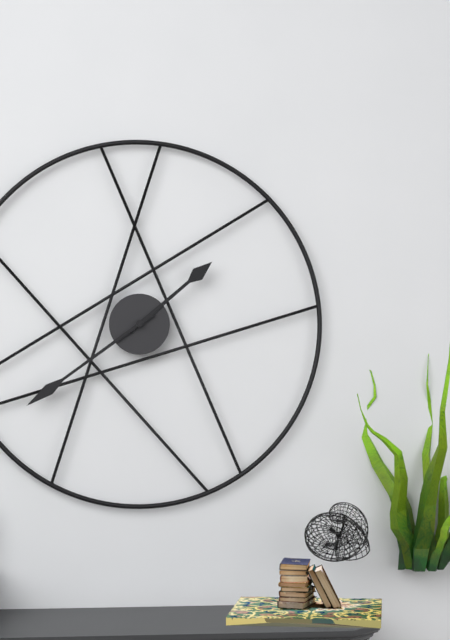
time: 1:39
